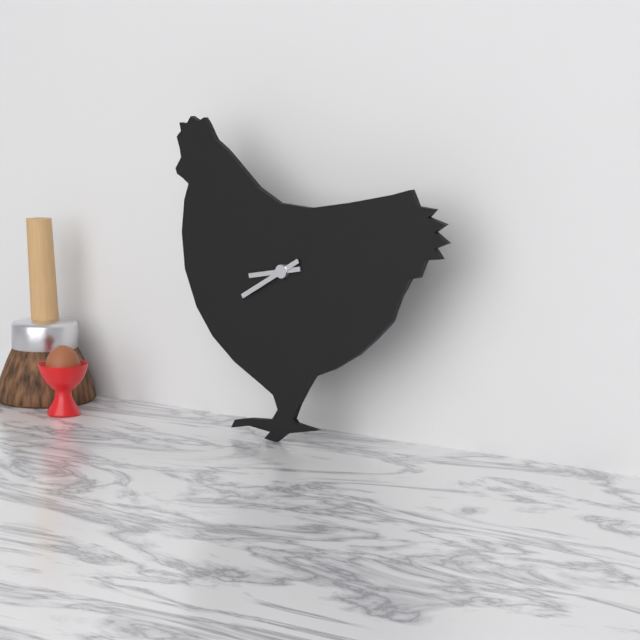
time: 8:40
